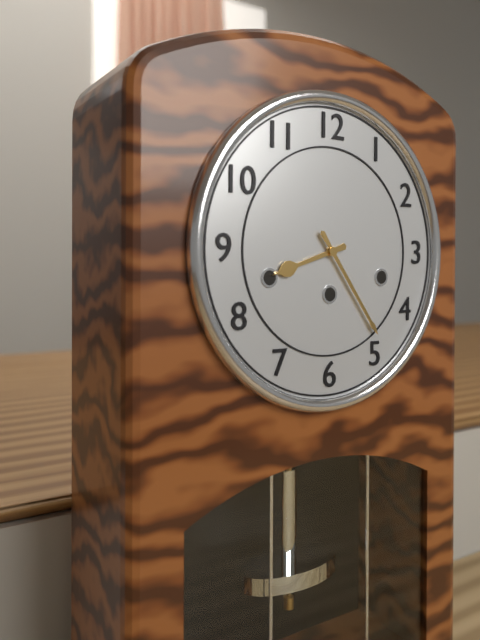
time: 8:24
